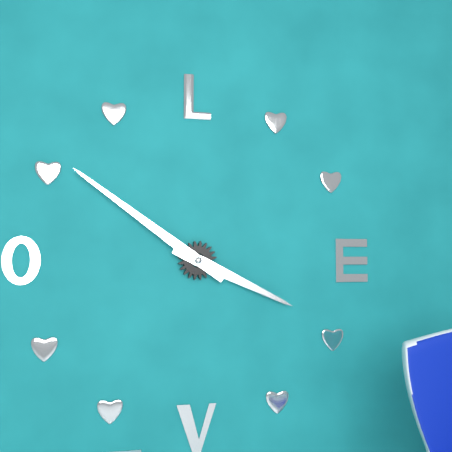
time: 3:51
